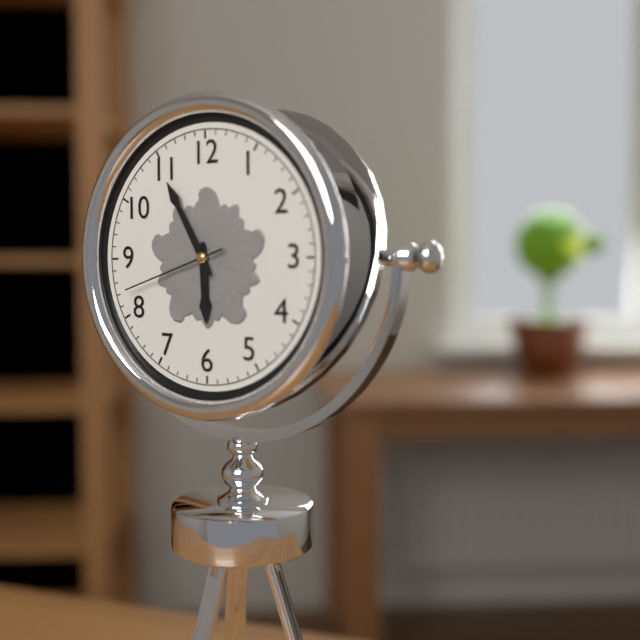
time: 5:55:42
